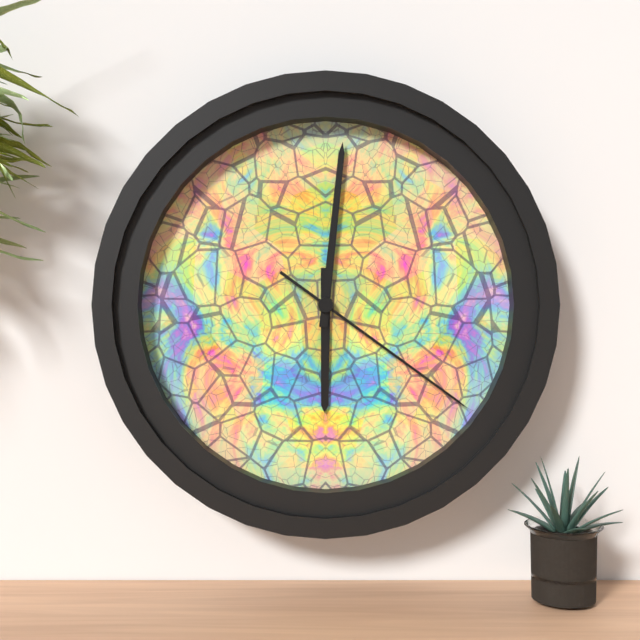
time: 6:01:21
